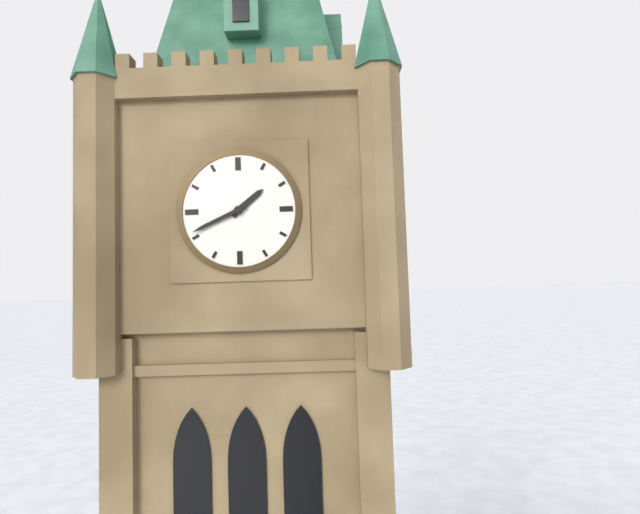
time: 1:41
